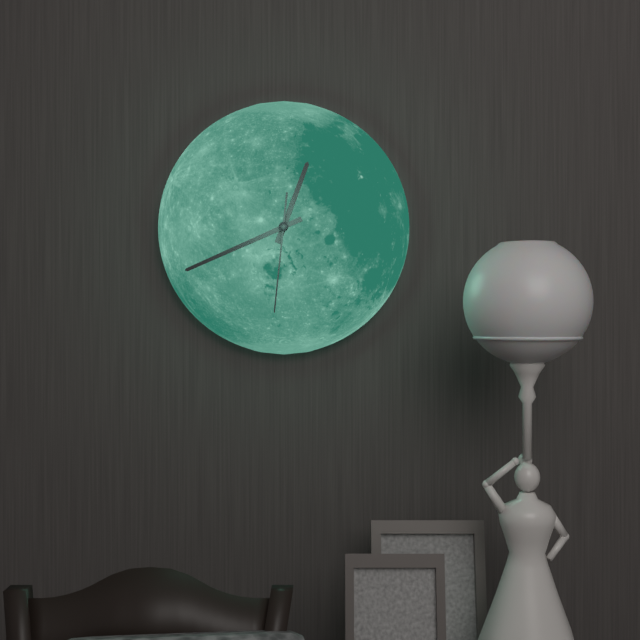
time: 12:41:31
